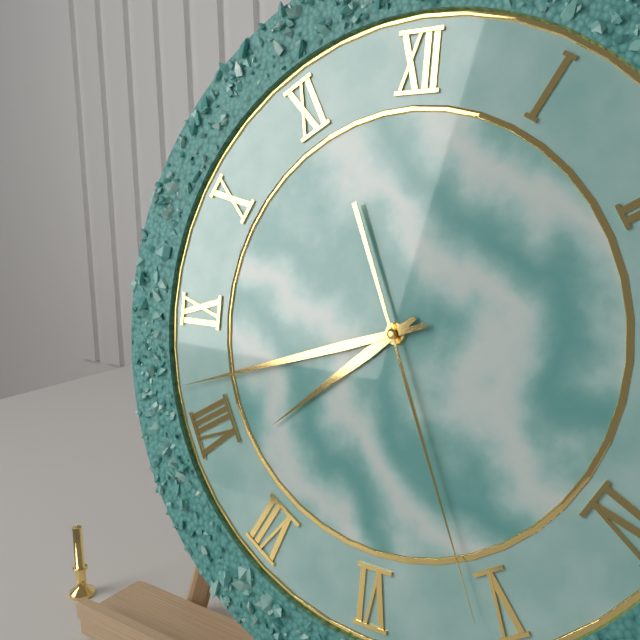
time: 7:42:26
